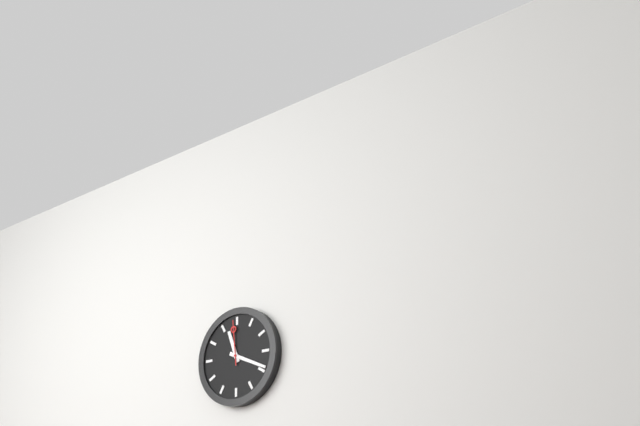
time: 11:19
